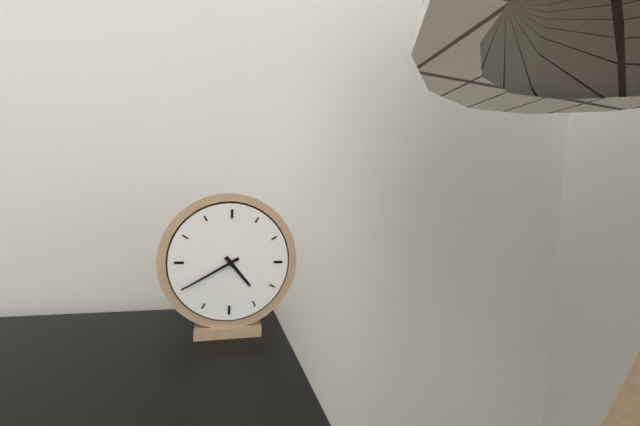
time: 4:40
